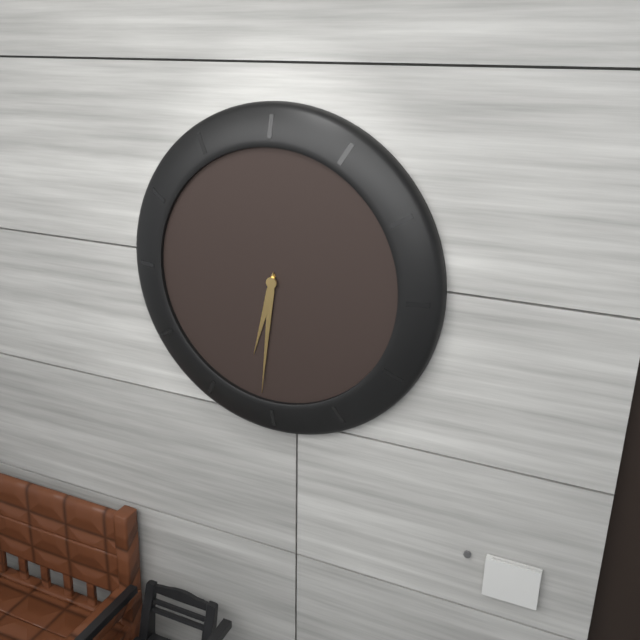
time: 6:31
